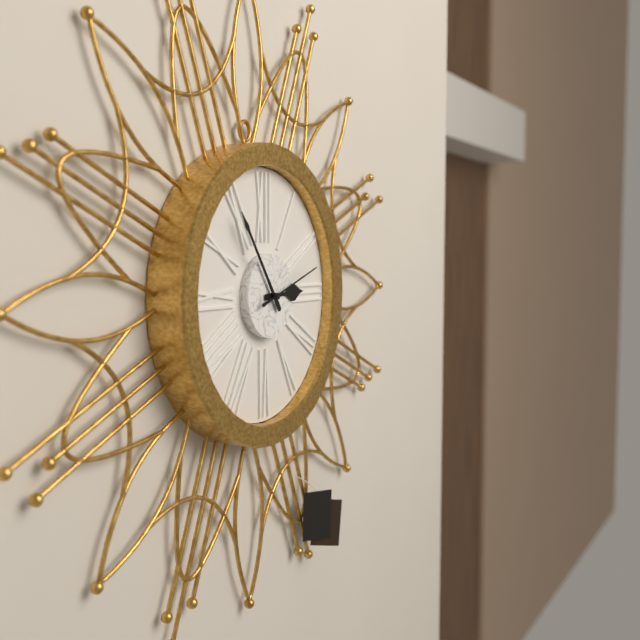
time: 2:54:12
